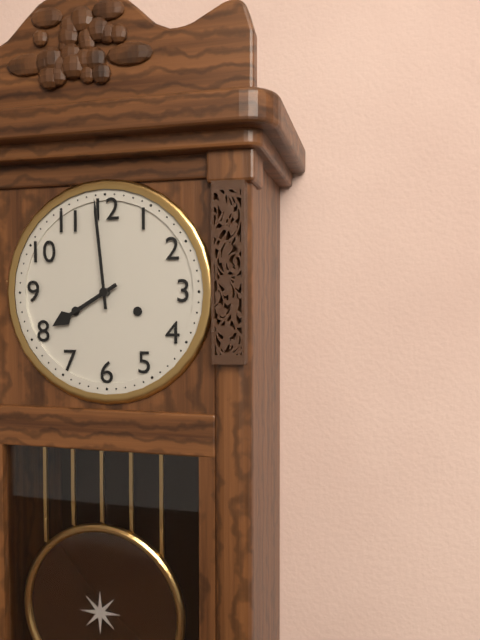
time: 7:59
